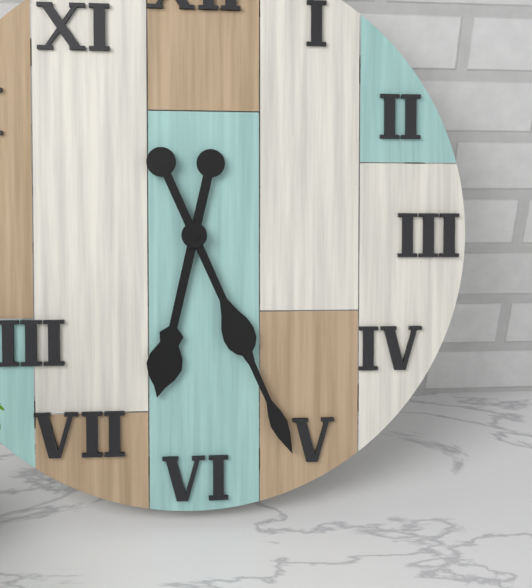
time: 6:26
